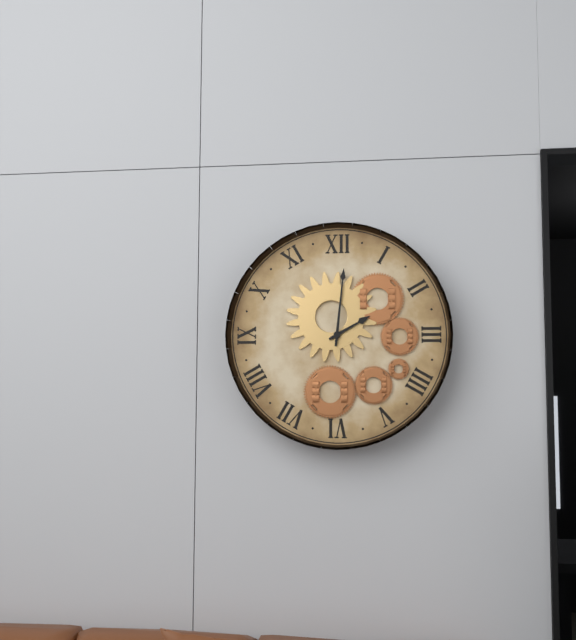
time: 2:01
